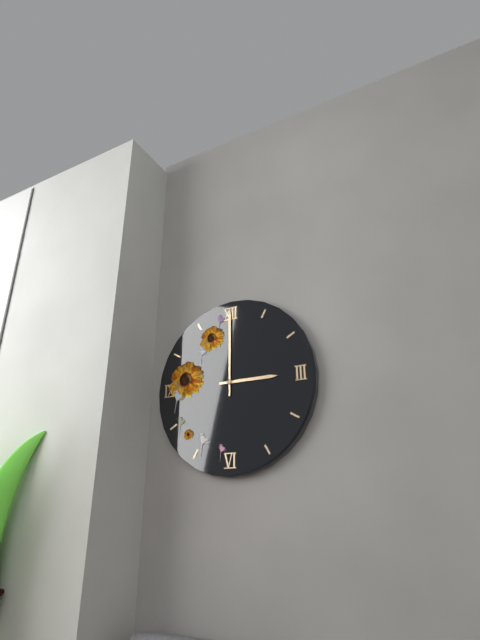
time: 3:00
